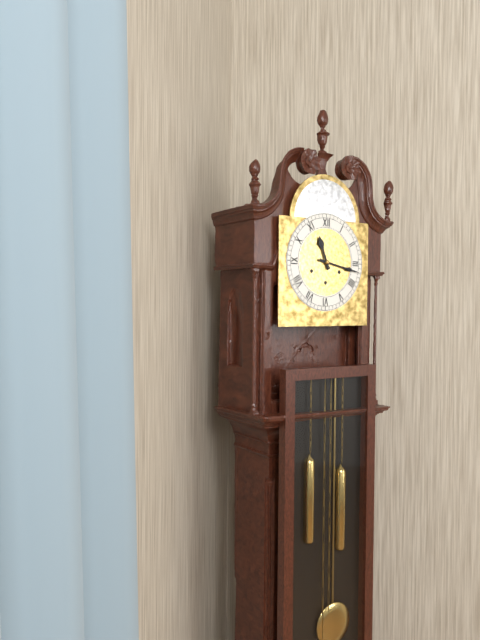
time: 11:17
